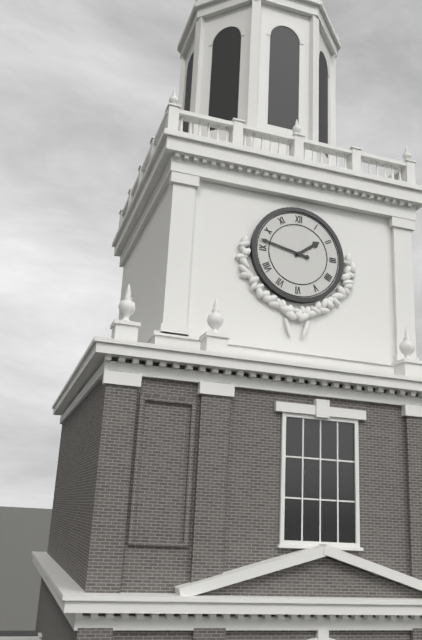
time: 1:47
